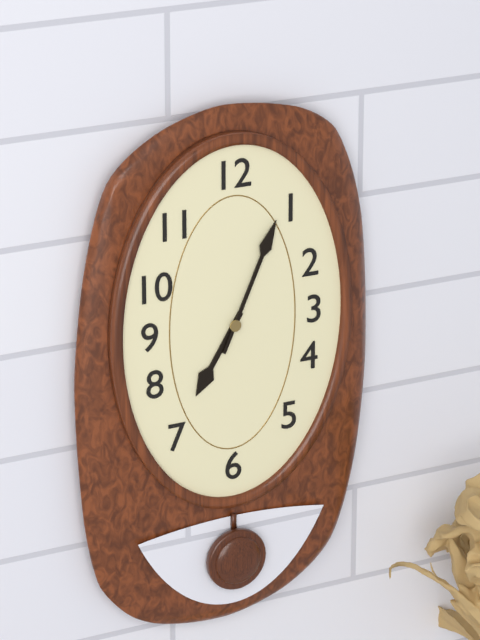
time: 7:04
